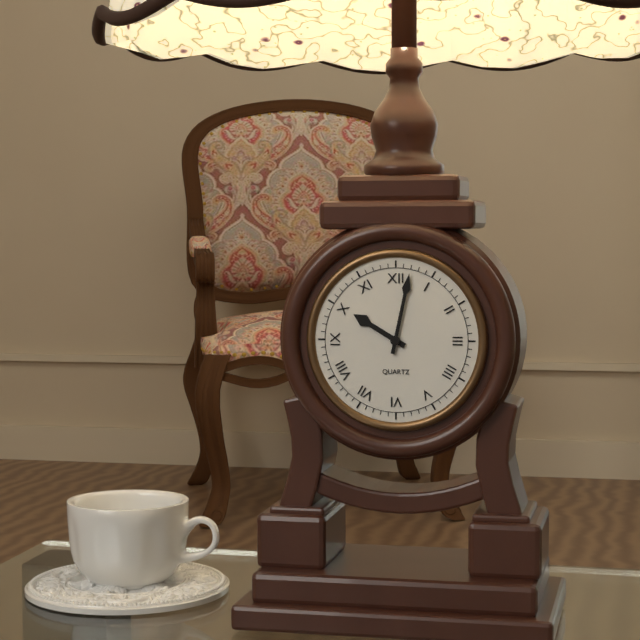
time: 10:02
